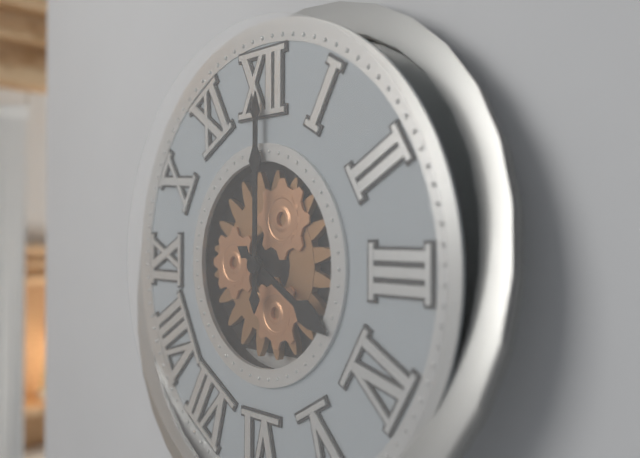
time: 4:00
